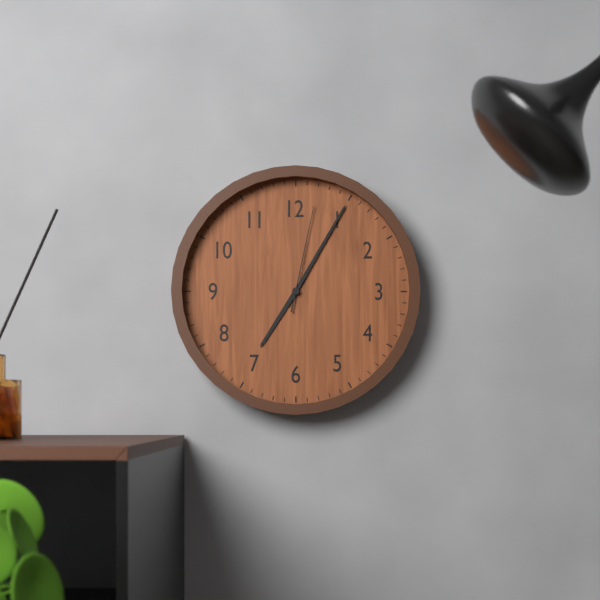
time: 7:05:02
